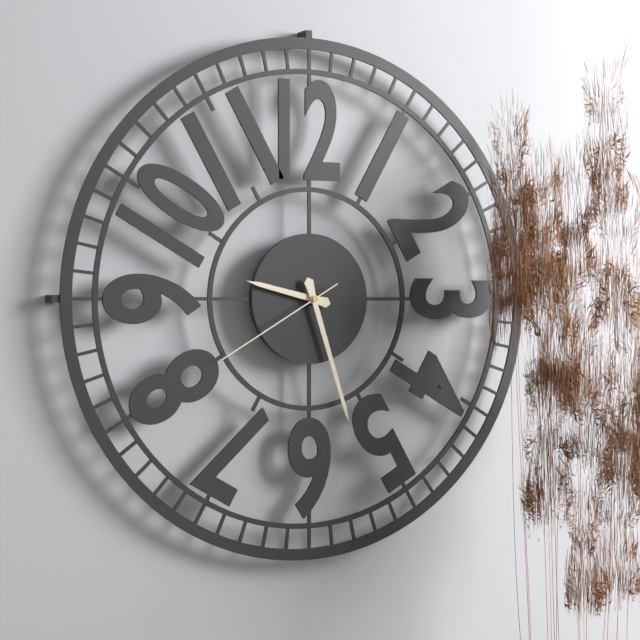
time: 9:27:40
